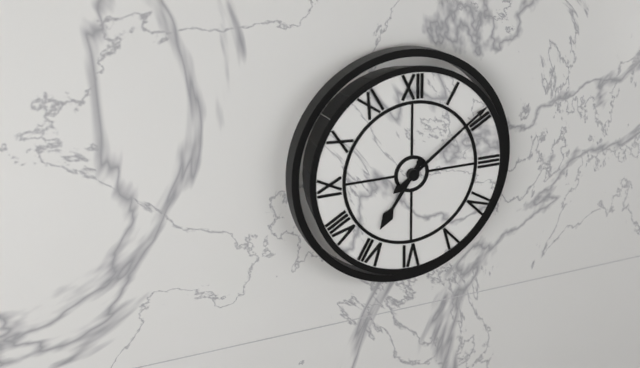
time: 7:09
